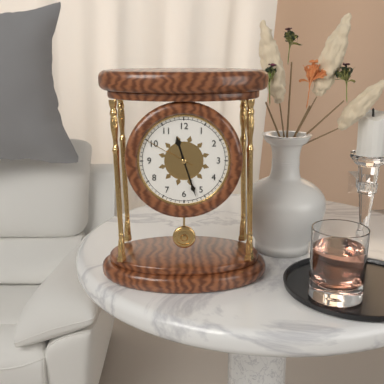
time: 11:27:50
